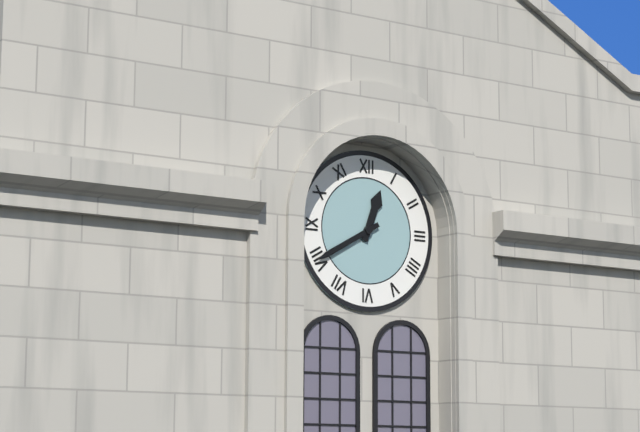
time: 12:40
